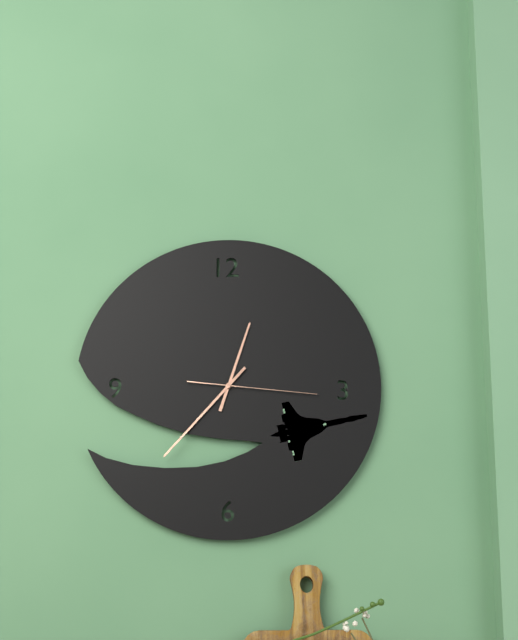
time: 12:37:16
